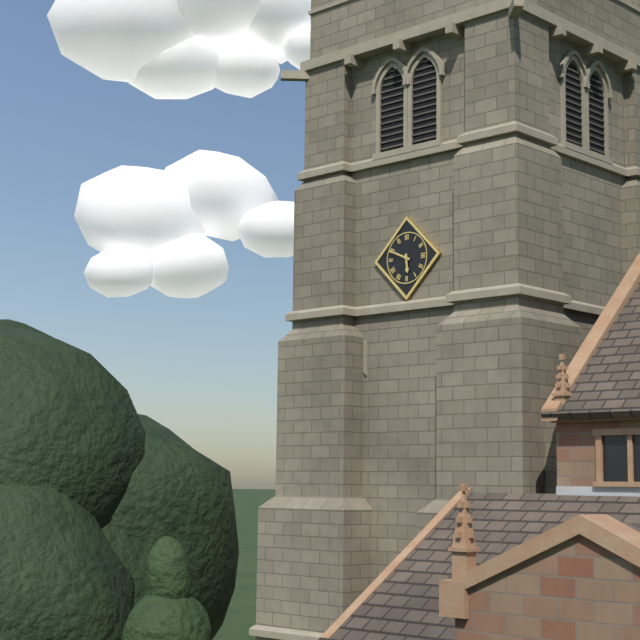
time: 5:49
